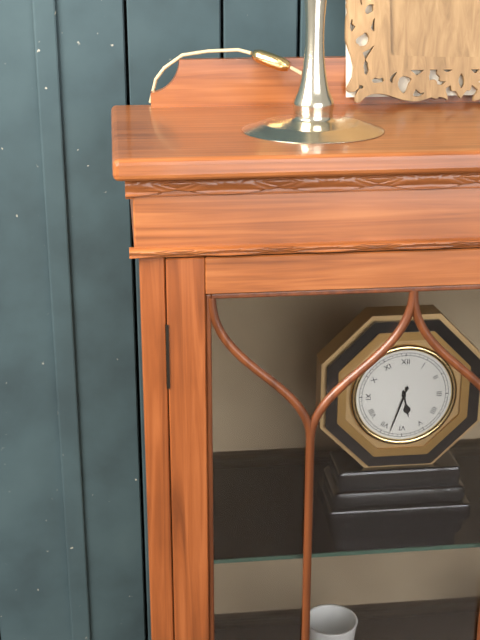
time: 5:33
